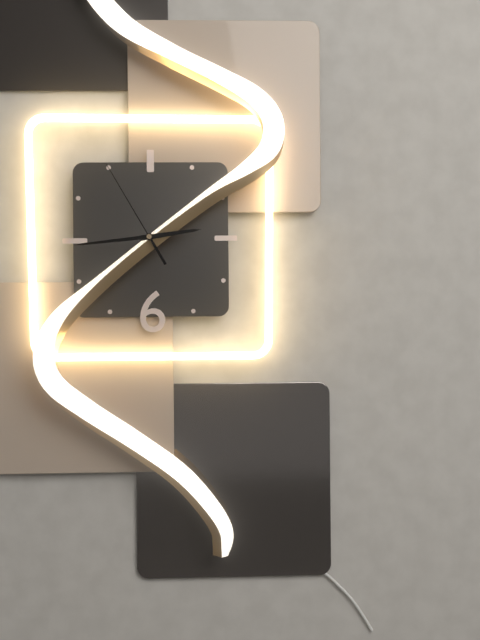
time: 2:44:55
